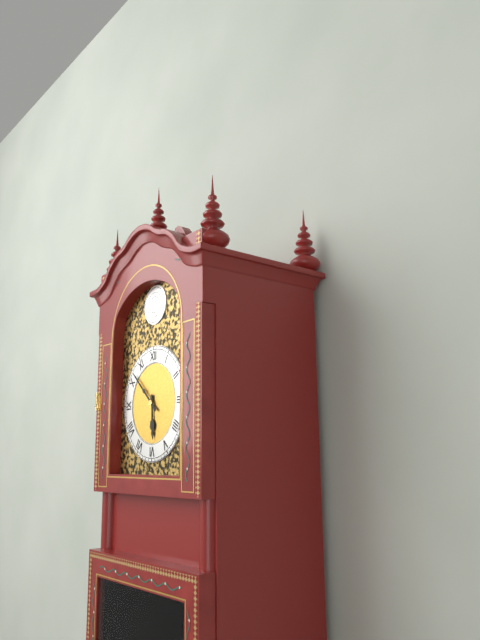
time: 5:52
